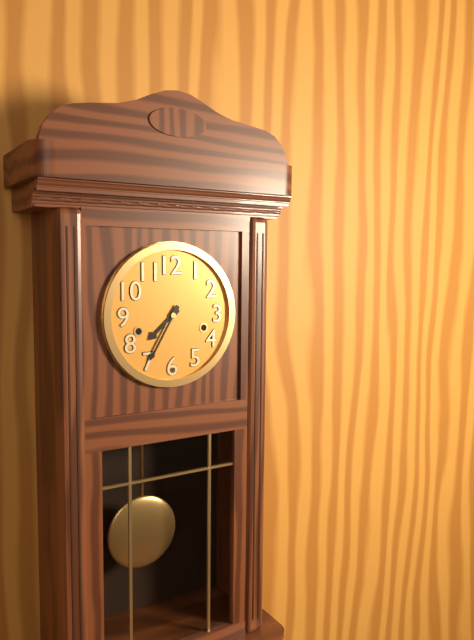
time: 7:35
